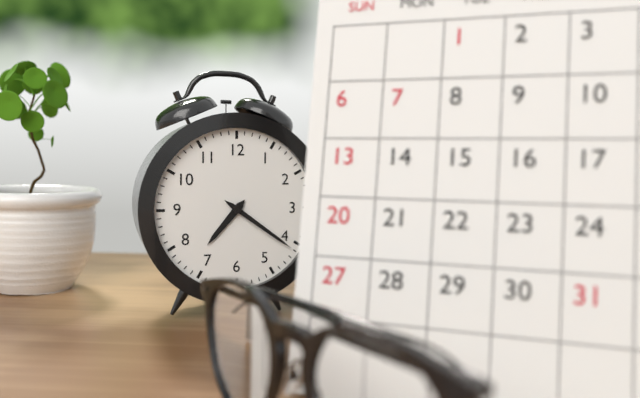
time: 7:21
